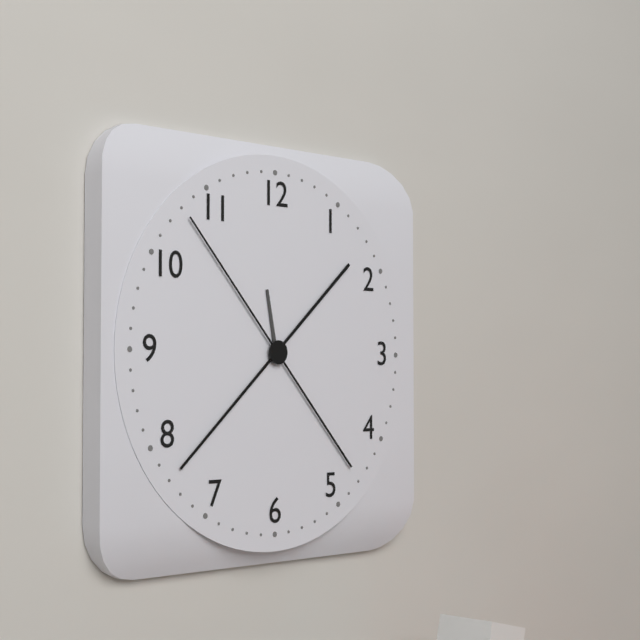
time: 11:38:53
